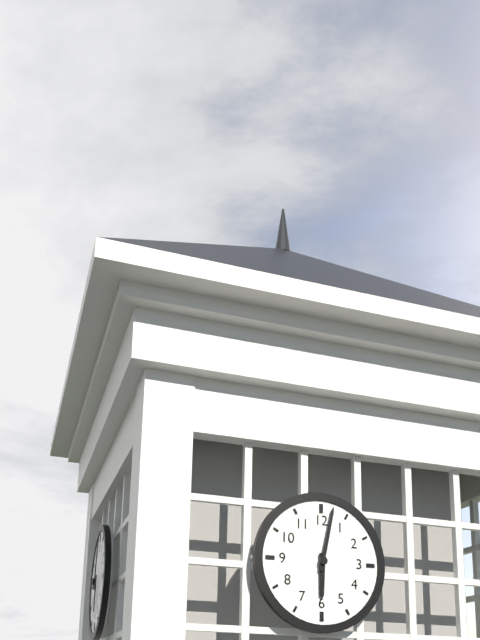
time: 6:02
